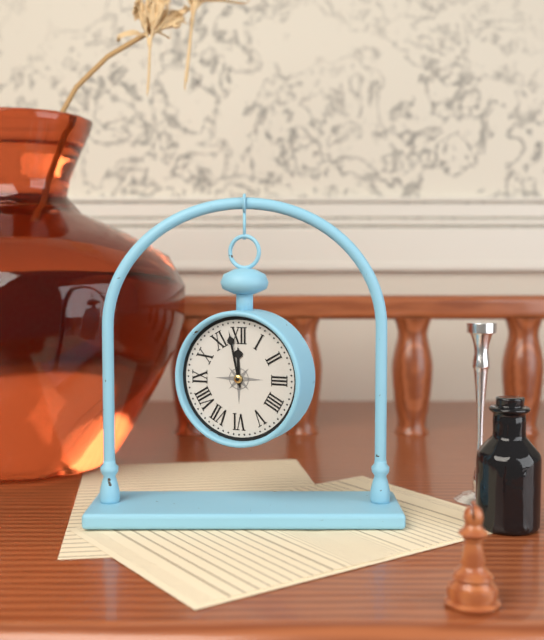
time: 11:58
